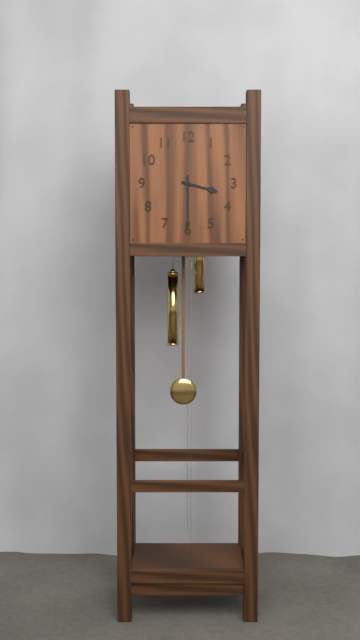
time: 3:30
